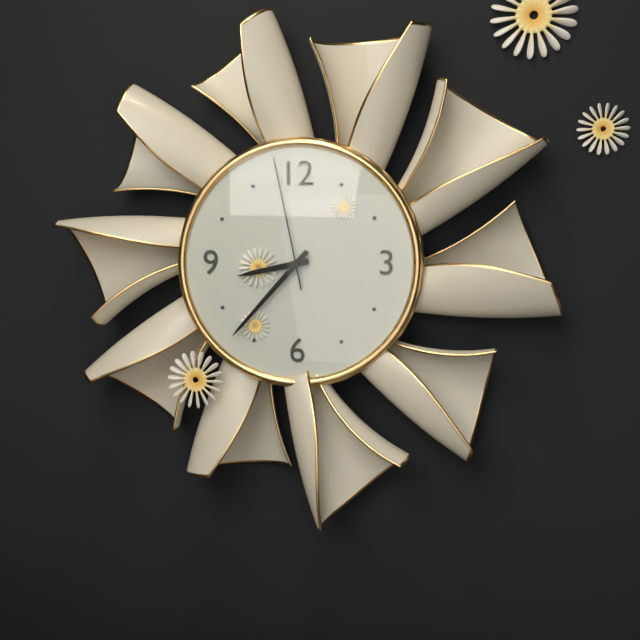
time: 8:37:58
